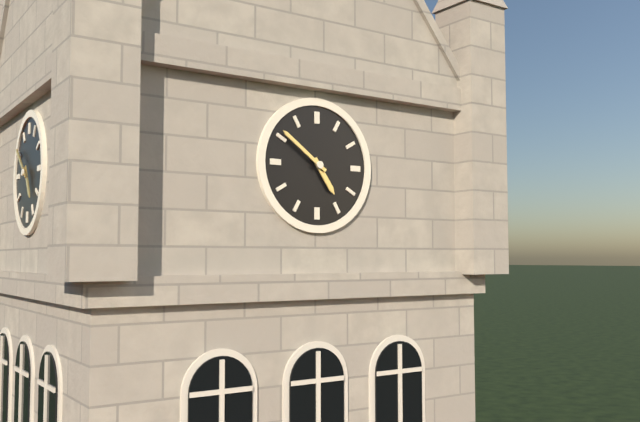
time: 4:51
